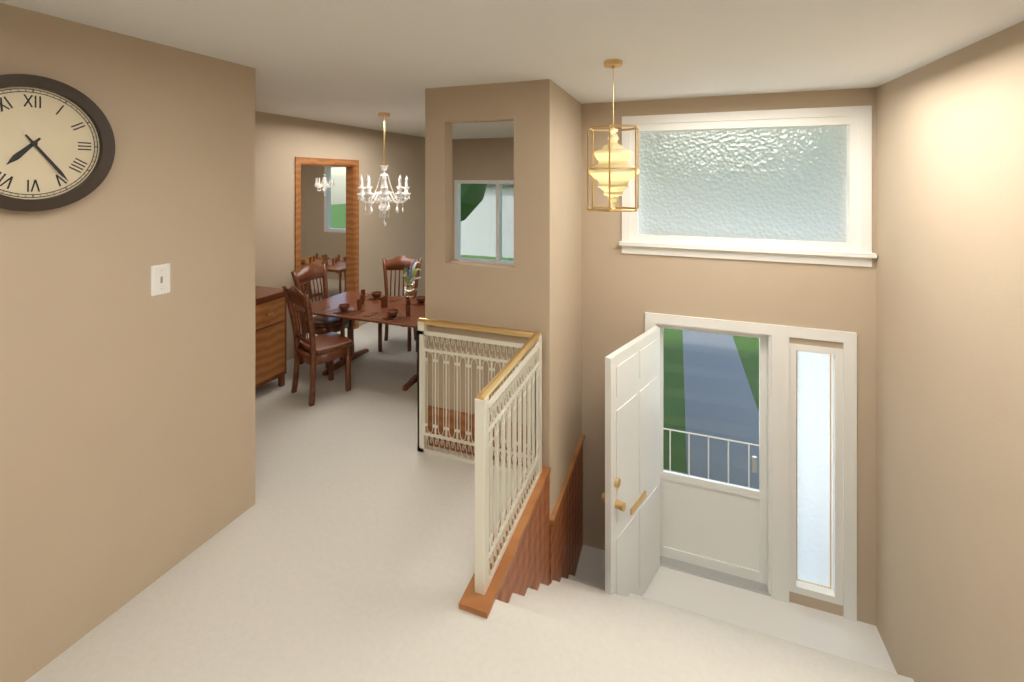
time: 7:24
